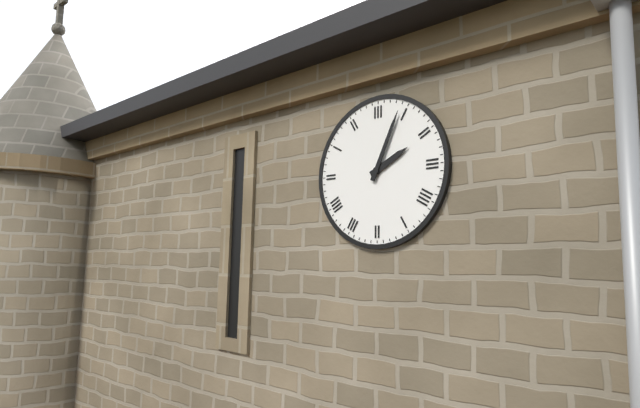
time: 2:04
